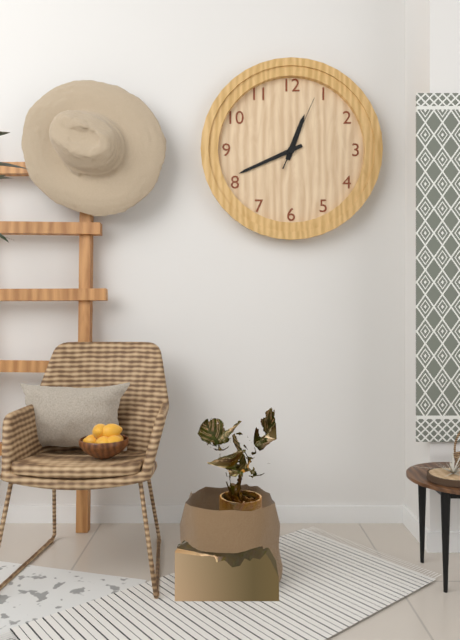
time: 12:41:04
